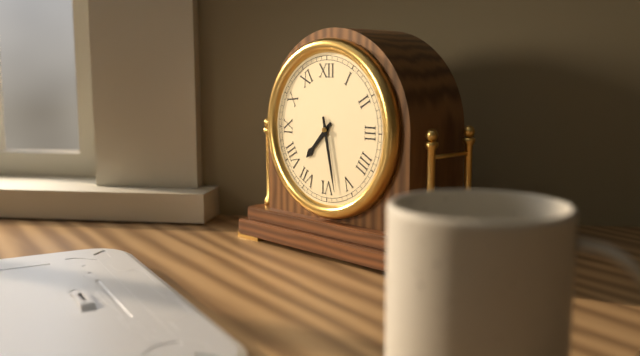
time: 7:28
